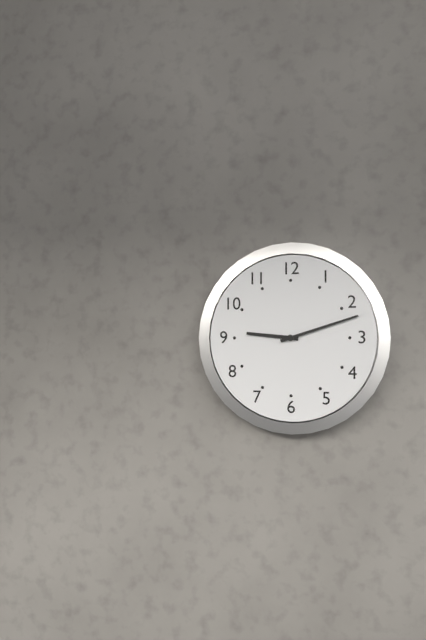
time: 9:12
